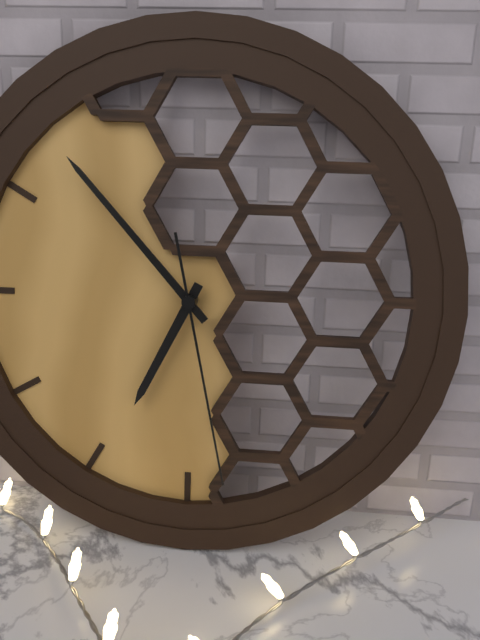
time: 6:53:28
